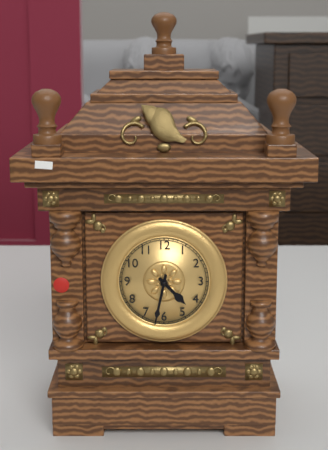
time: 4:32
